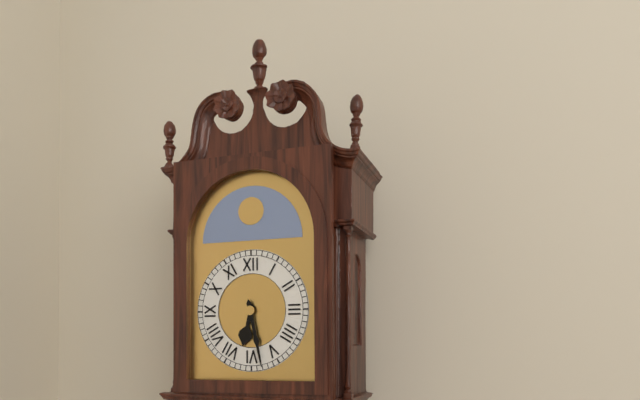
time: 6:28
